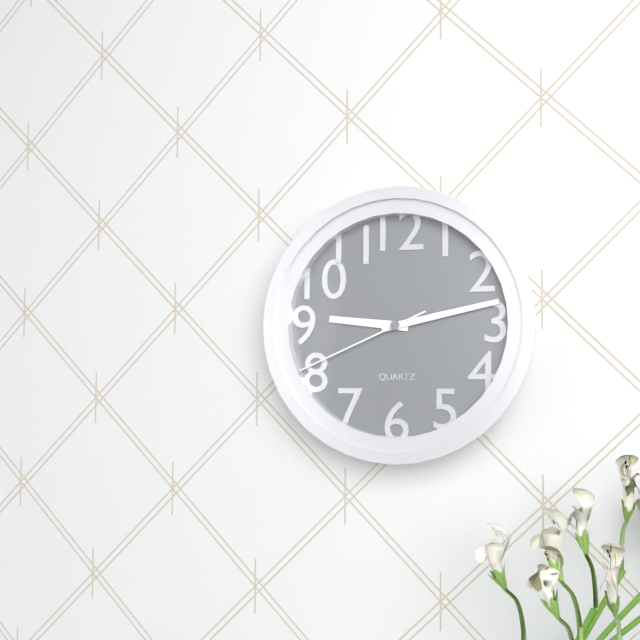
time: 9:13:41
